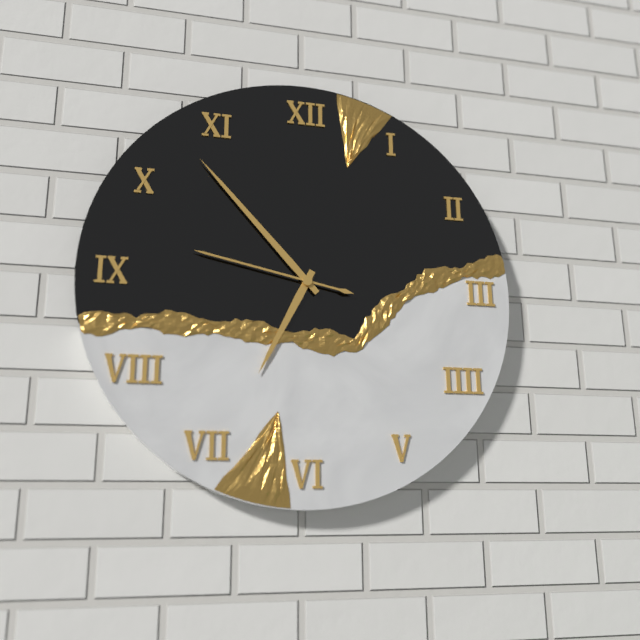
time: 6:53:47
